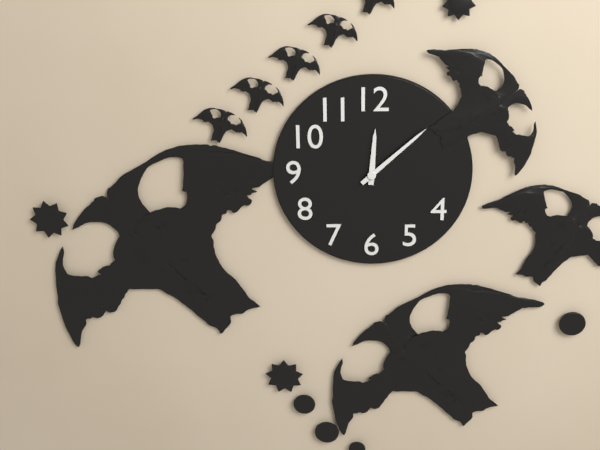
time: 12:08
